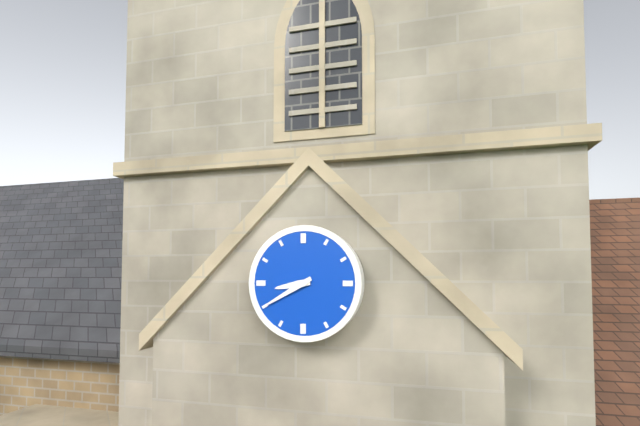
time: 8:40
